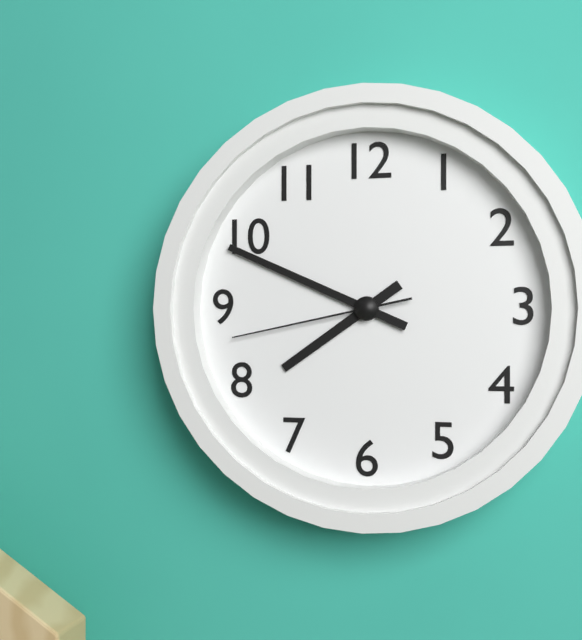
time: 7:49:43
